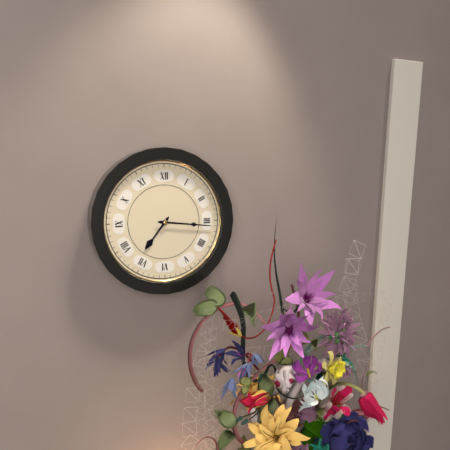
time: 7:16
